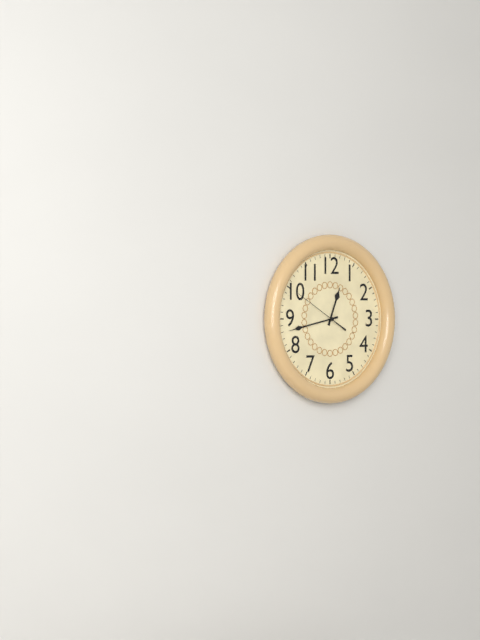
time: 12:43
